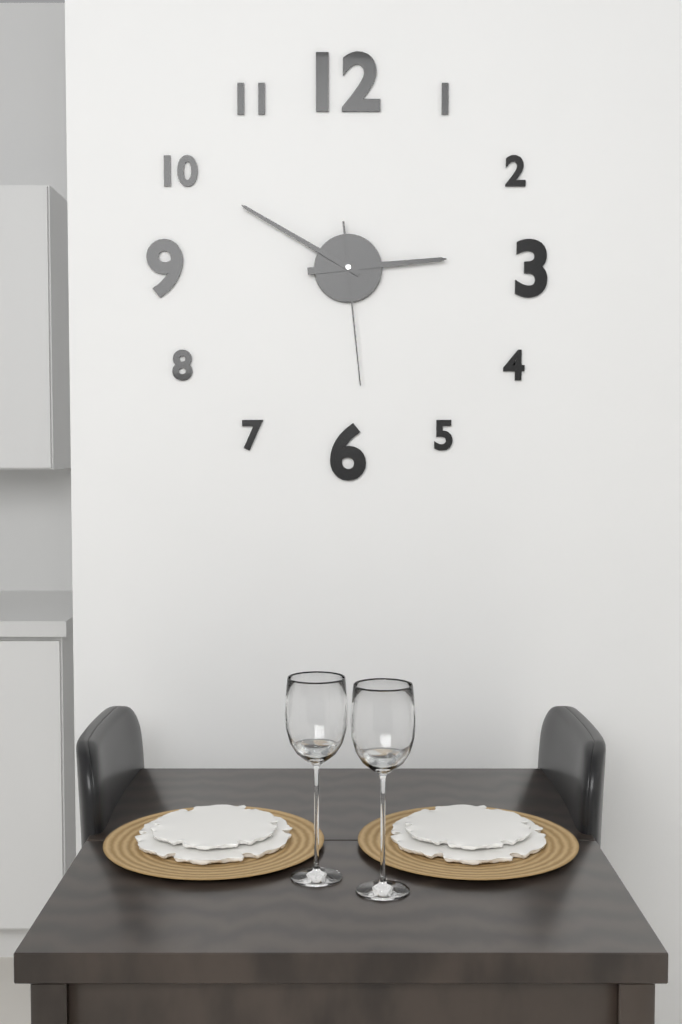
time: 2:50:29
